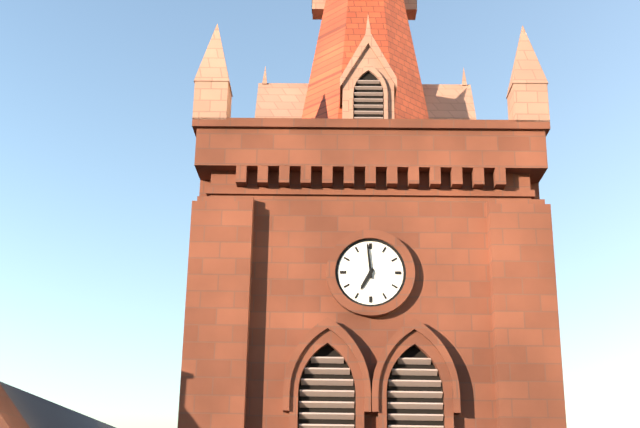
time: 6:59
